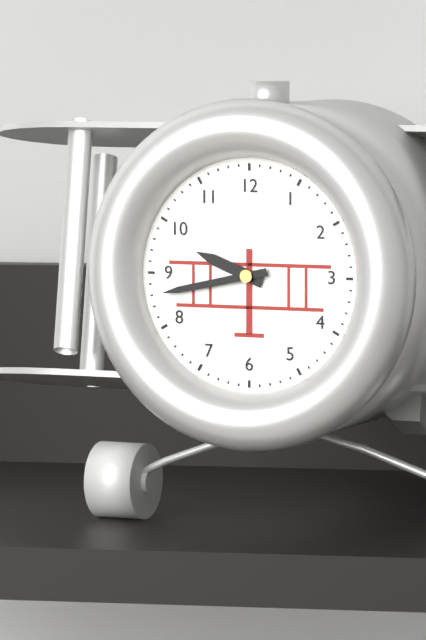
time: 9:43
